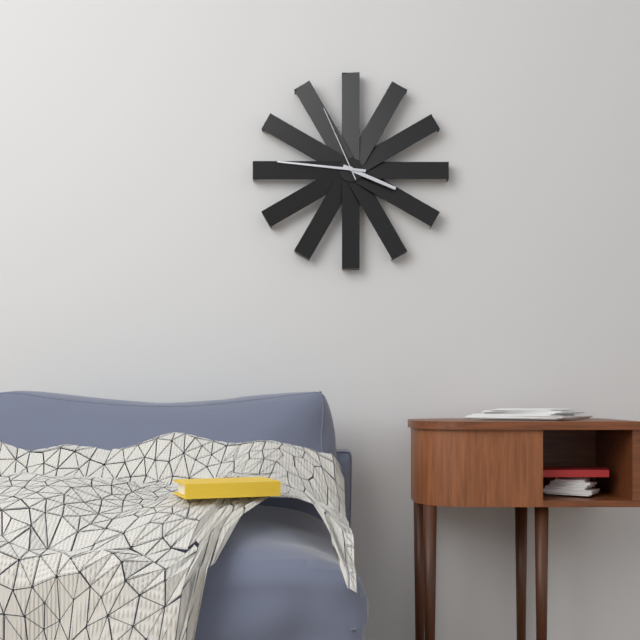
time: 3:46:56
